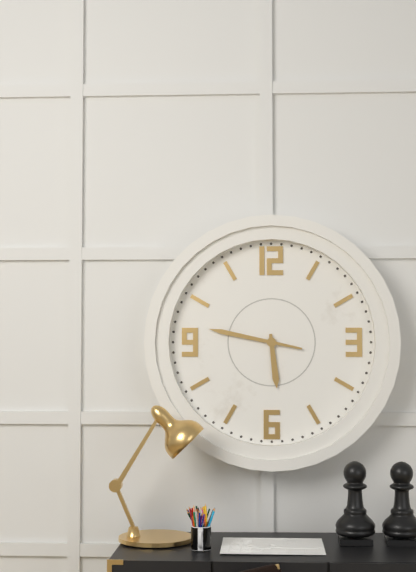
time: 5:47
